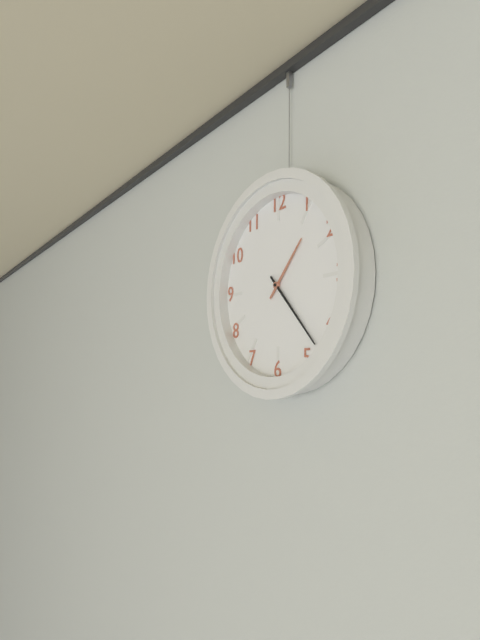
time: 1:23
